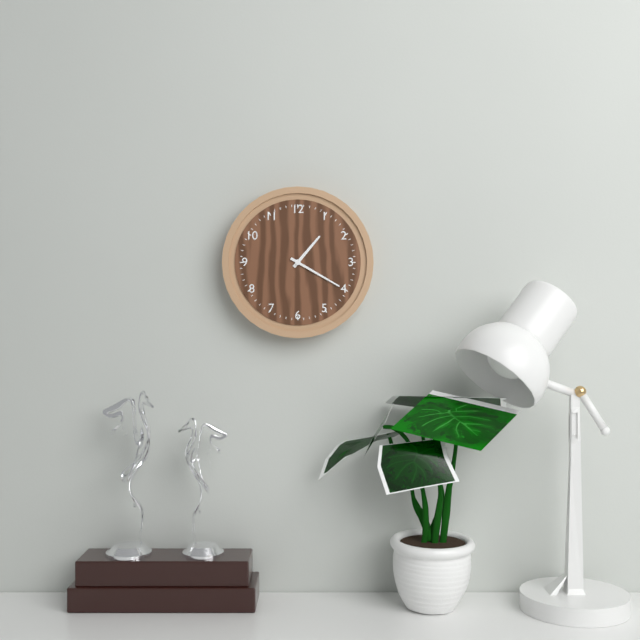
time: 1:20
